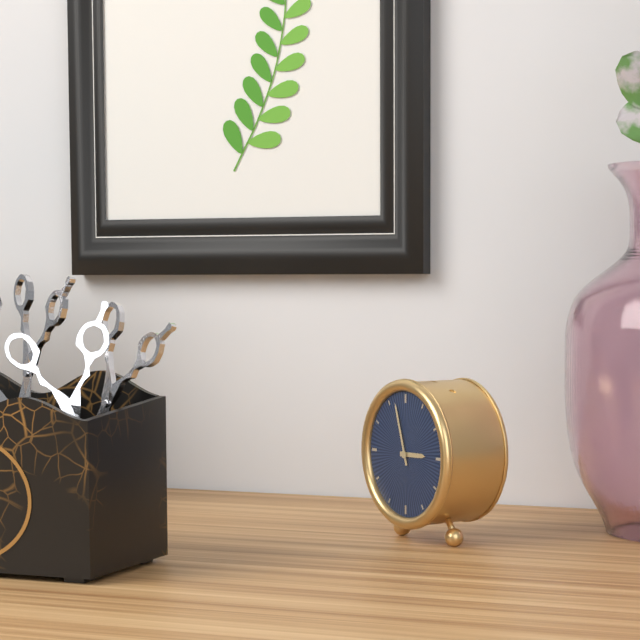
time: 2:57
